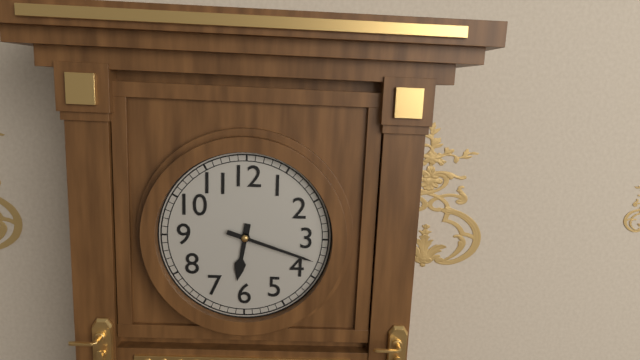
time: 6:18
